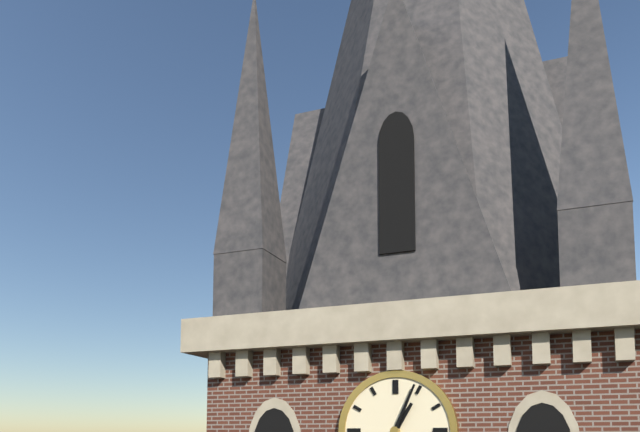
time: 1:04
